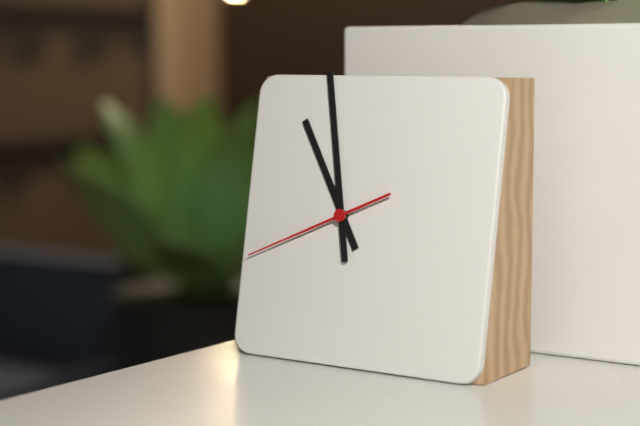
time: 10:58:41
